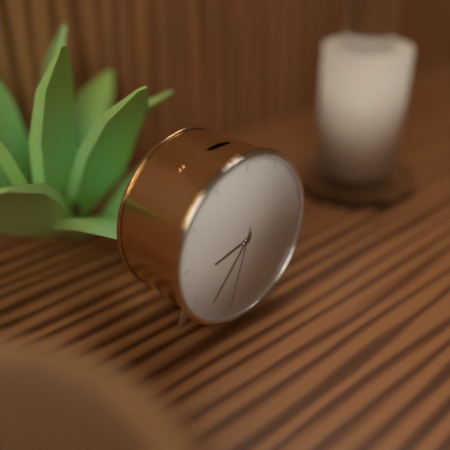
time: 8:37:33
